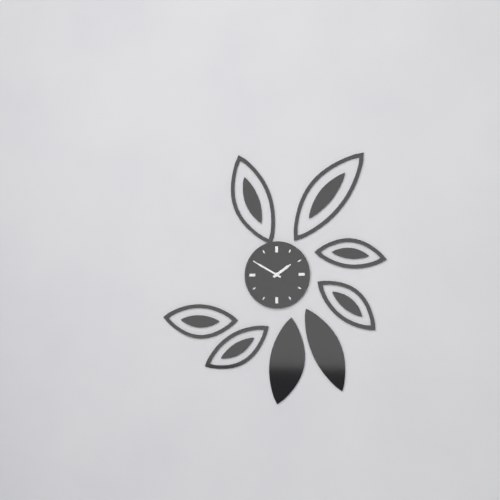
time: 1:50
